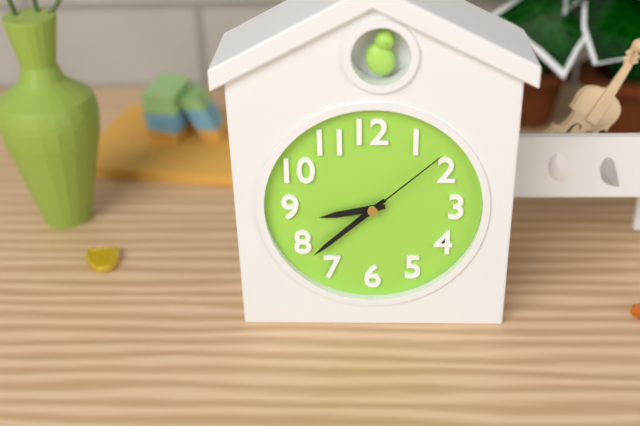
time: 8:38:08
